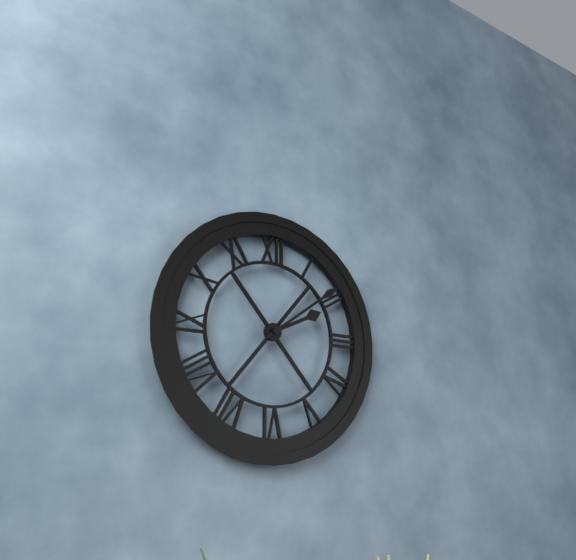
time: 2:09
